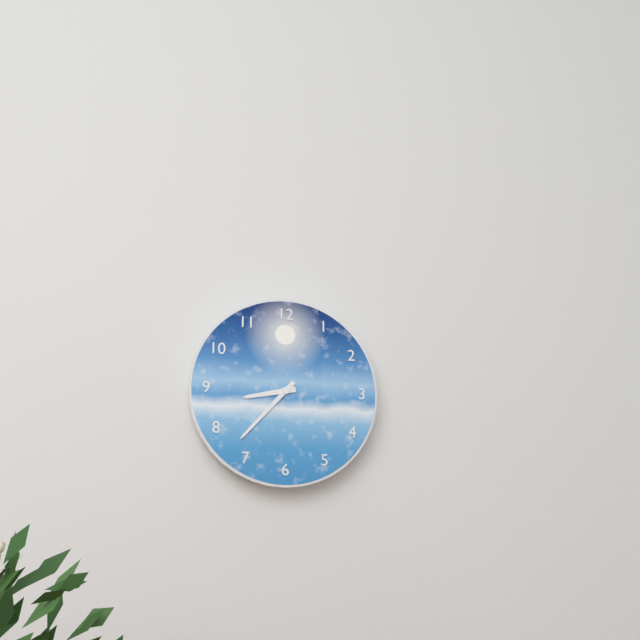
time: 8:37
